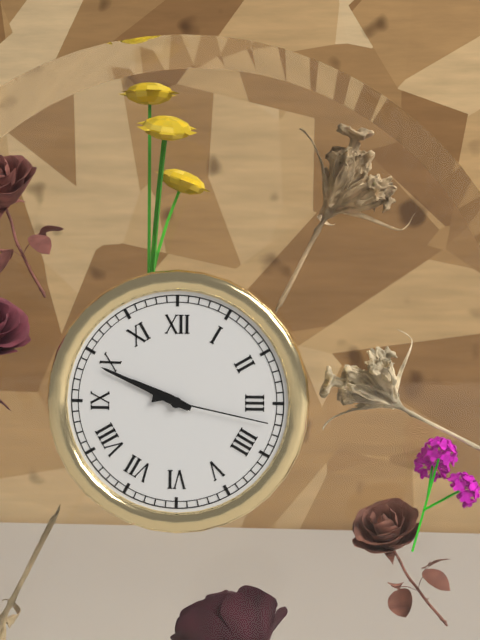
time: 9:49:17
